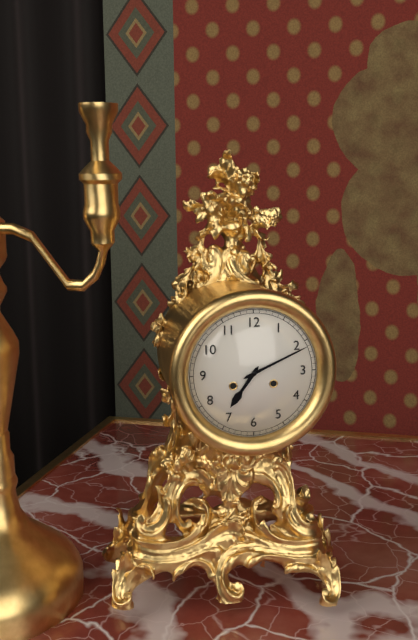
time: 7:11
